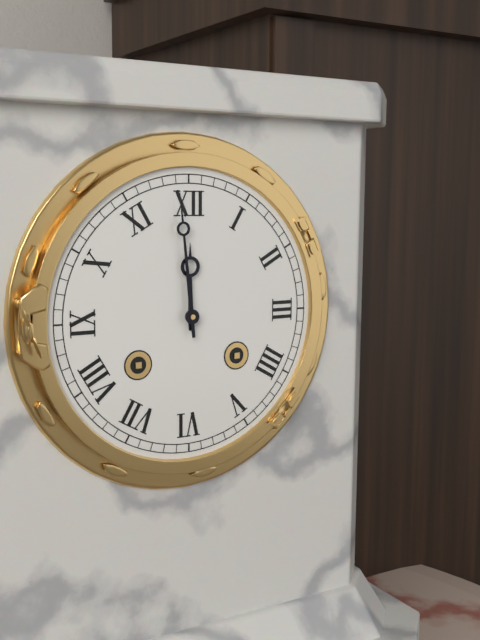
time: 11:59
